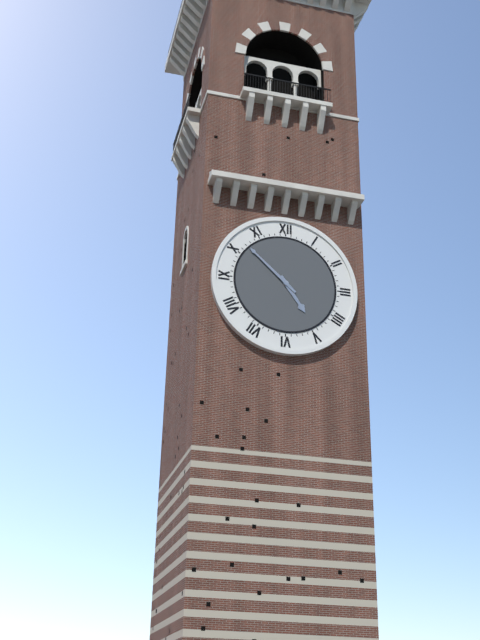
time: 4:52
